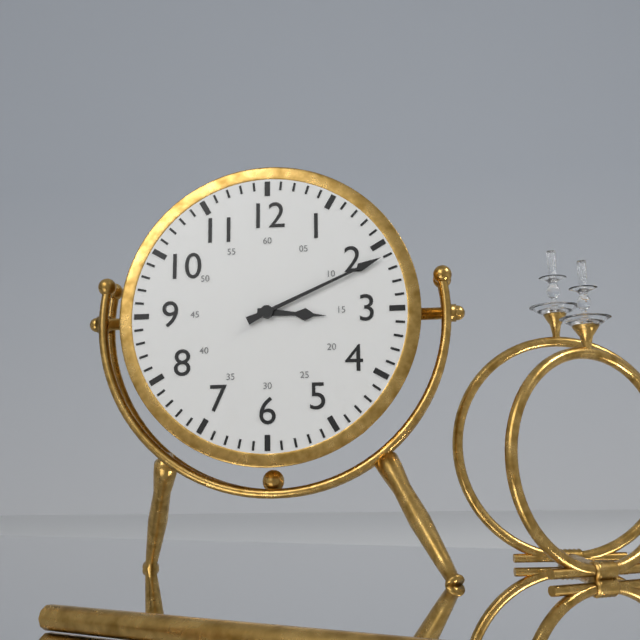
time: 3:11
